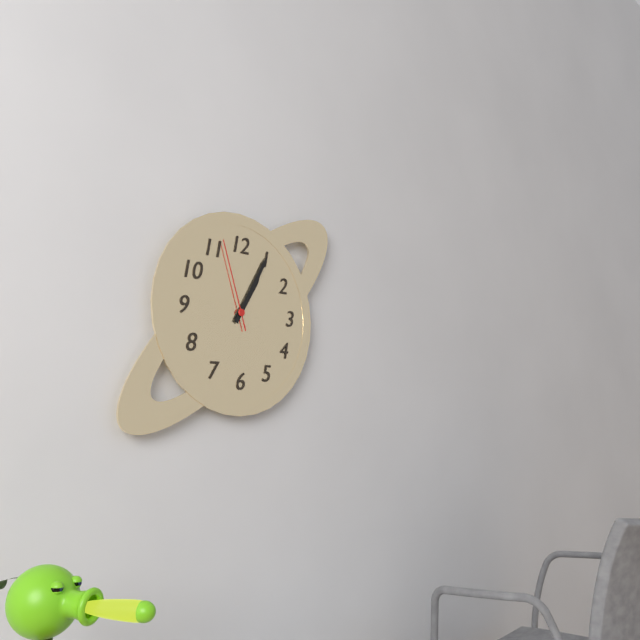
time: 1:05:57
